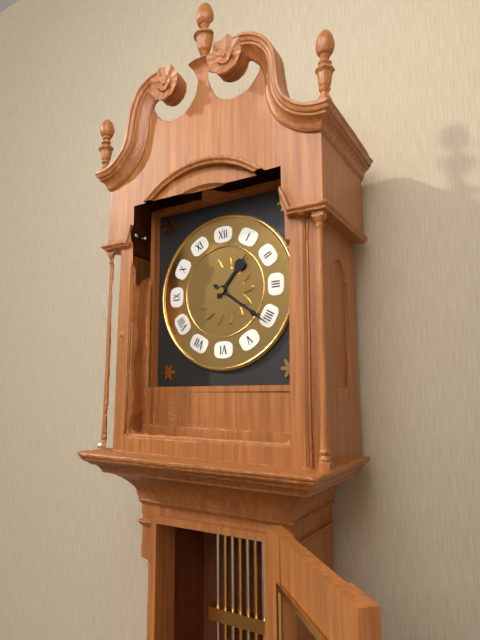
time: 1:21
